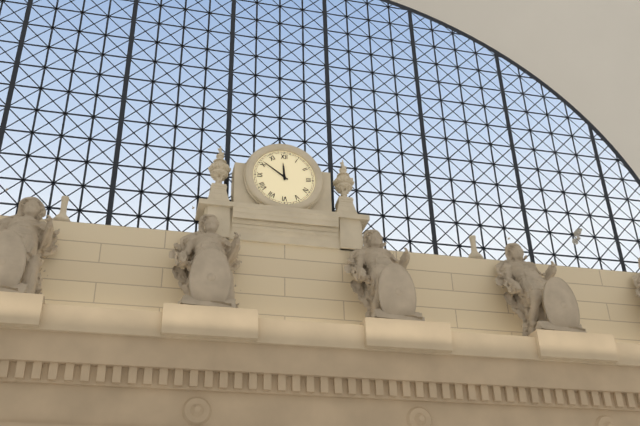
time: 11:51
